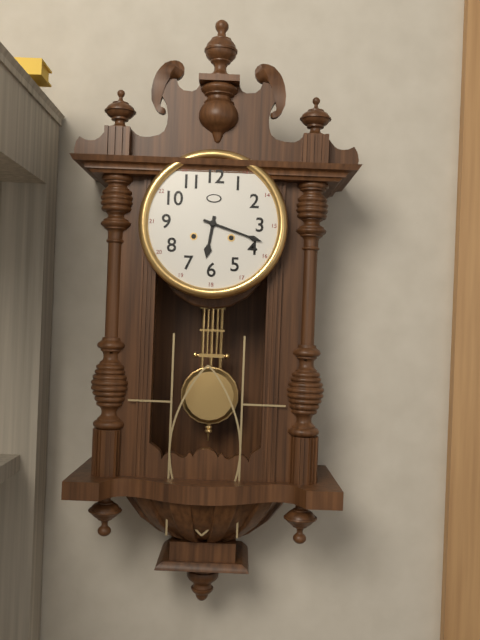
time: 6:18
